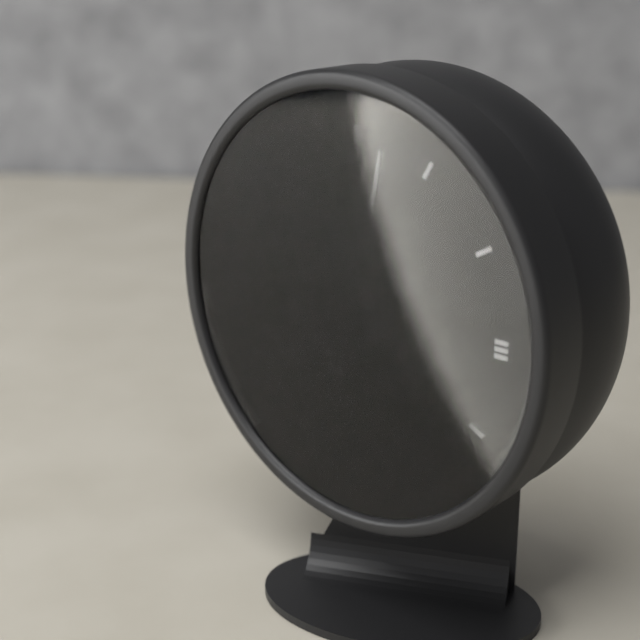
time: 11:02:30
